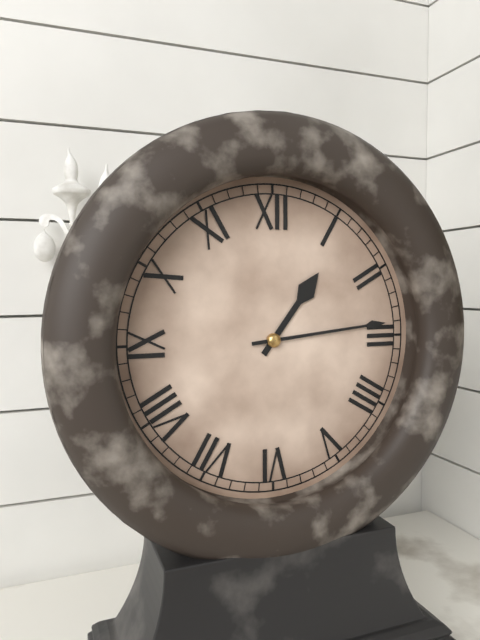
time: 1:14
